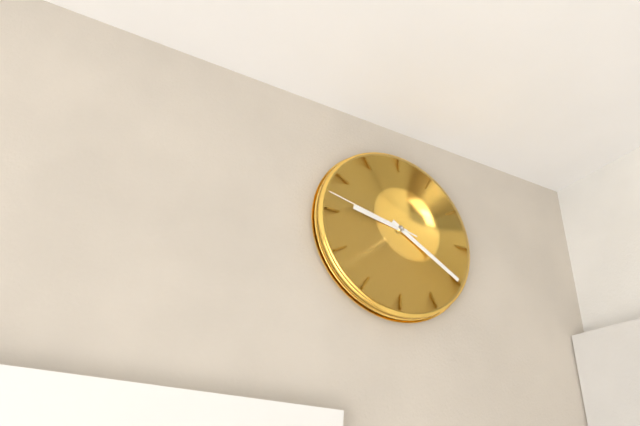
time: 9:20:47
